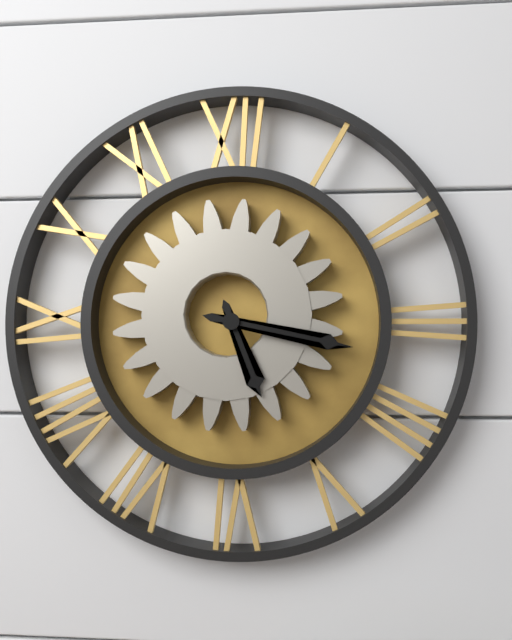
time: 5:17
